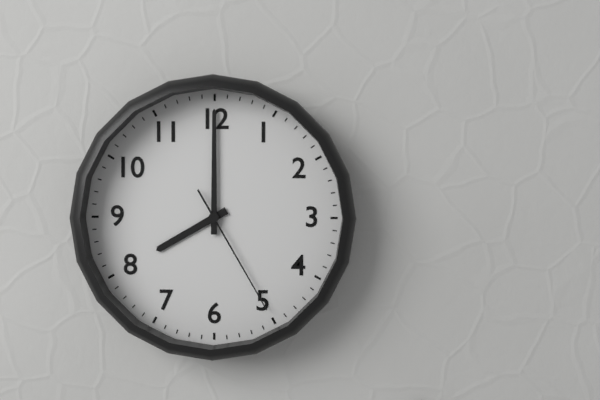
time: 8:00:25
